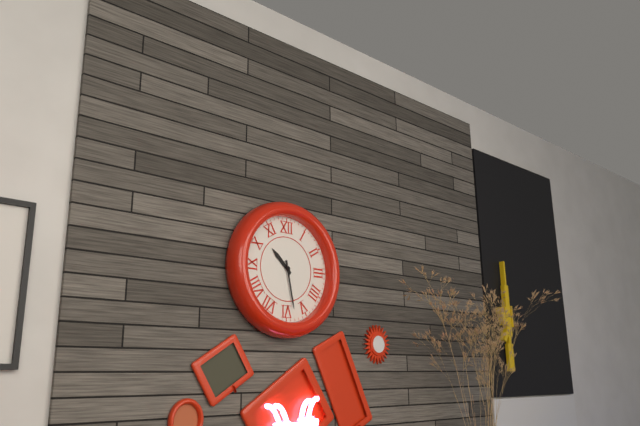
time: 10:28
